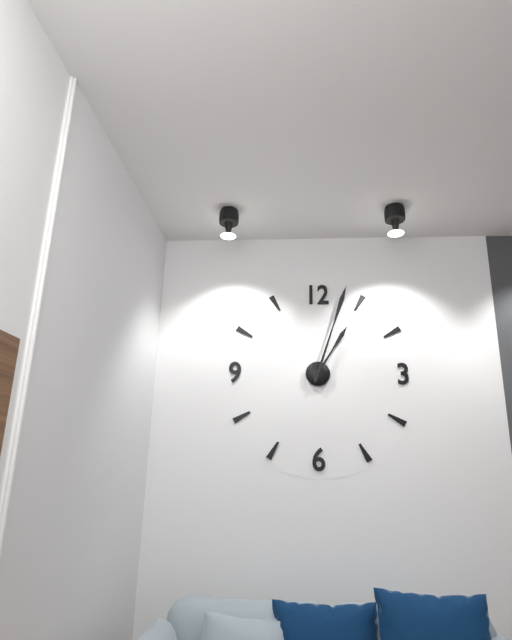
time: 1:03
